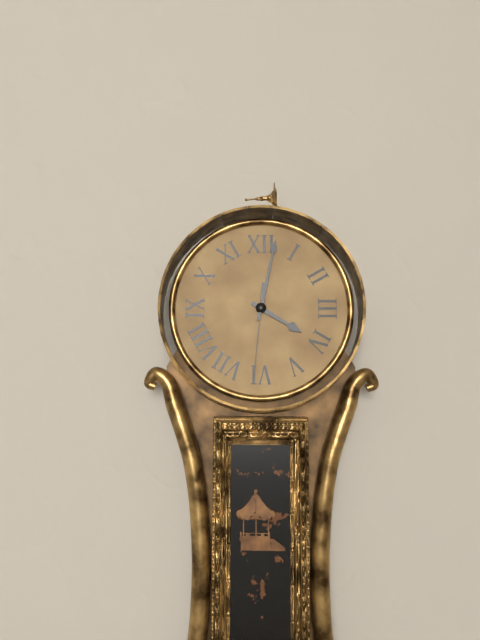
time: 4:02:31
